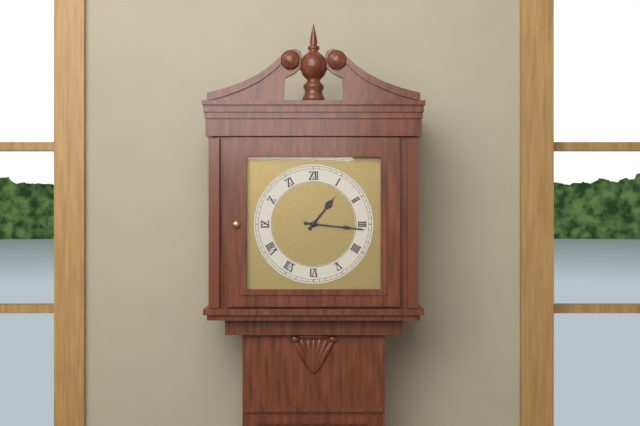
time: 1:16
